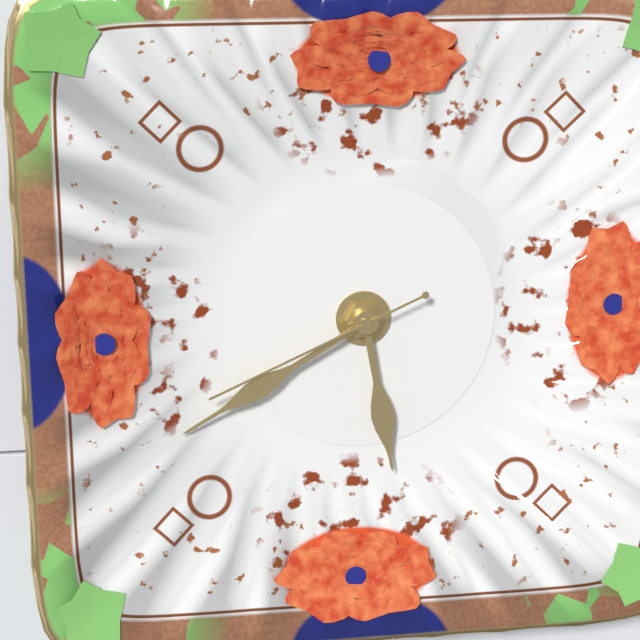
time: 5:40:41
